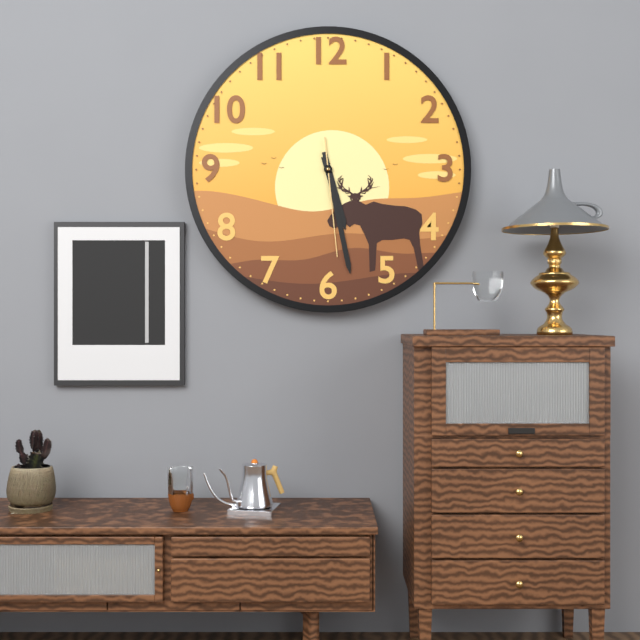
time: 5:28:29
